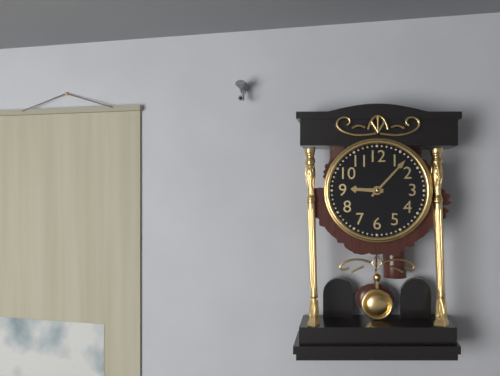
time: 9:07
